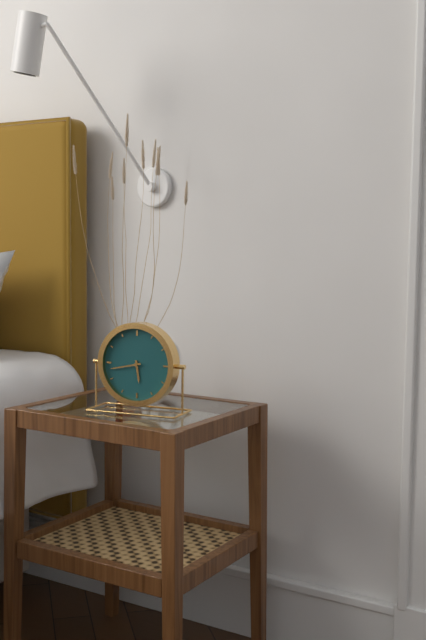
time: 5:43
